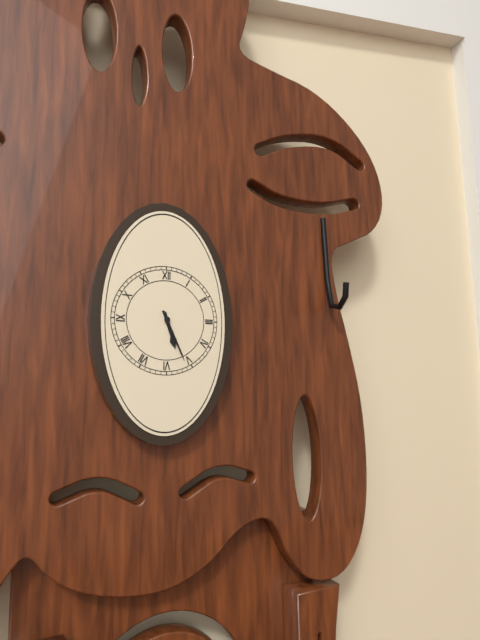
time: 5:26
